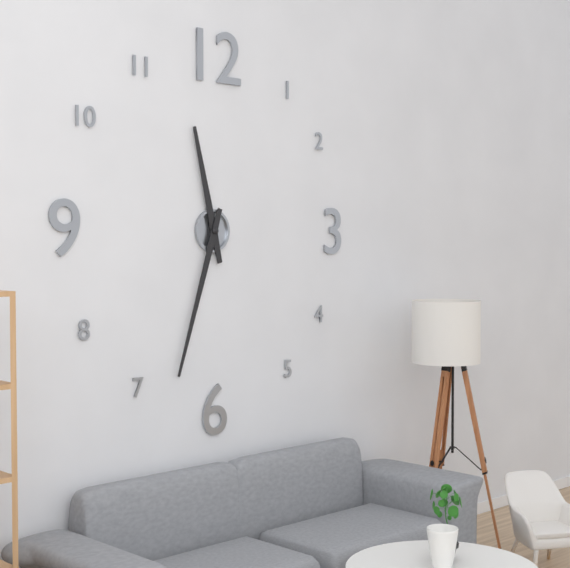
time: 11:33
